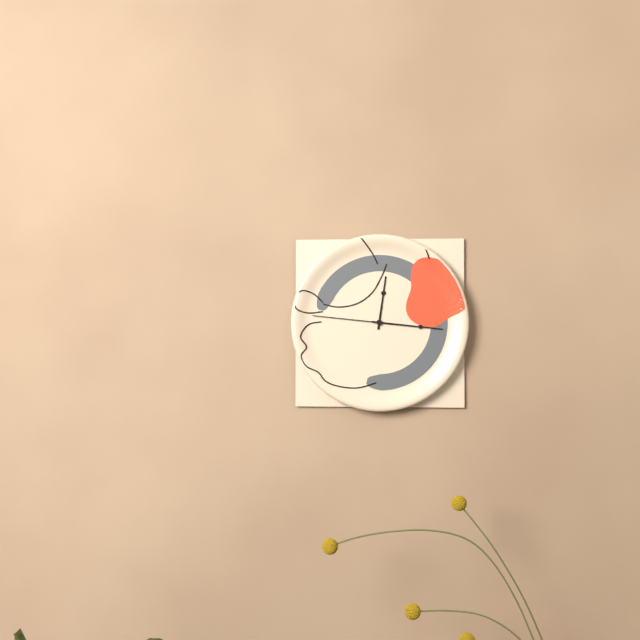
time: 12:16:46
